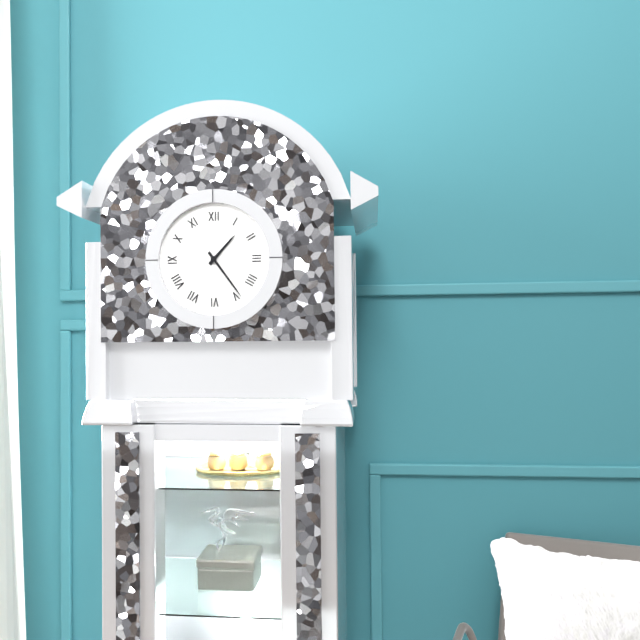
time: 1:24
